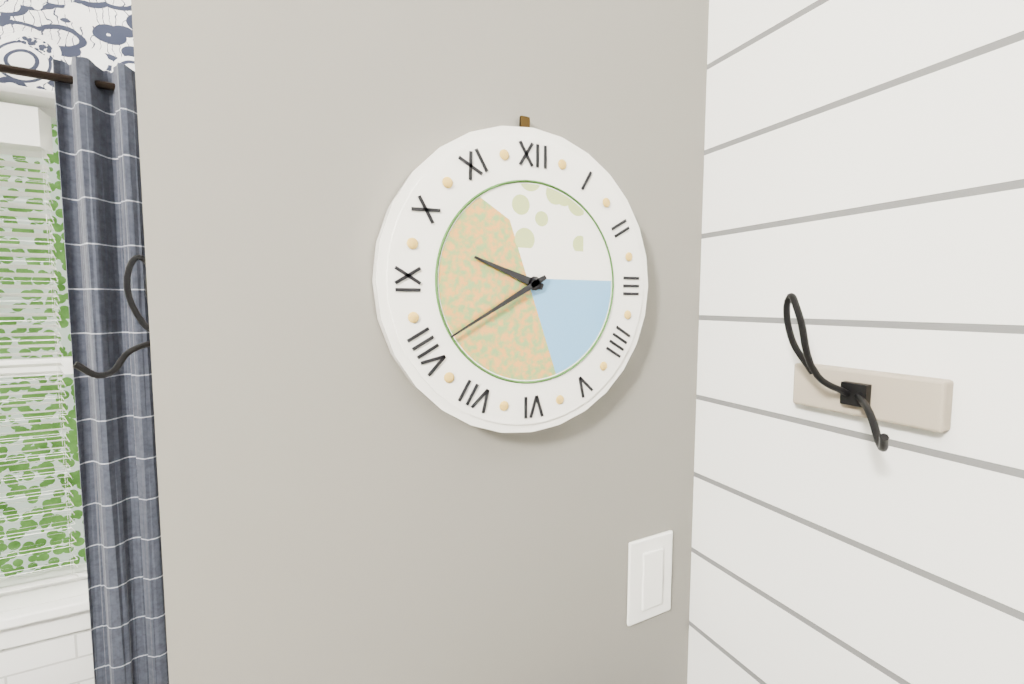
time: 9:40
